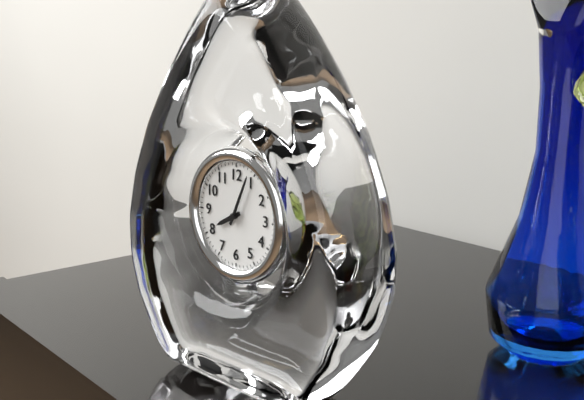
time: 8:04
